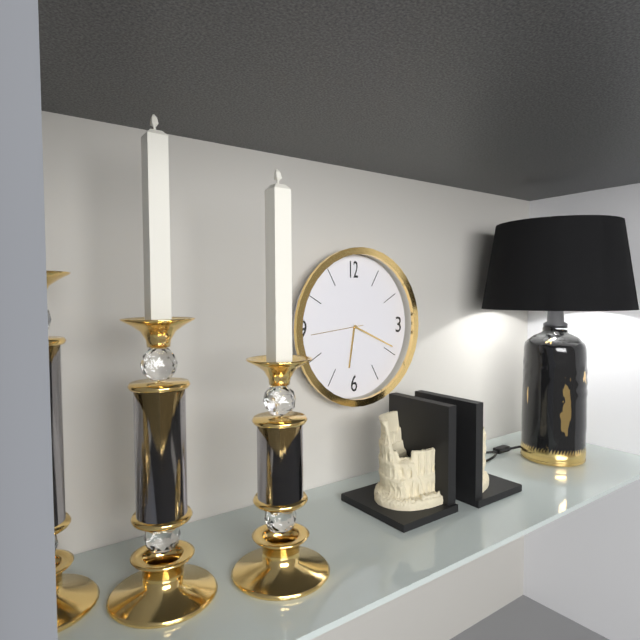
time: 6:19:44
